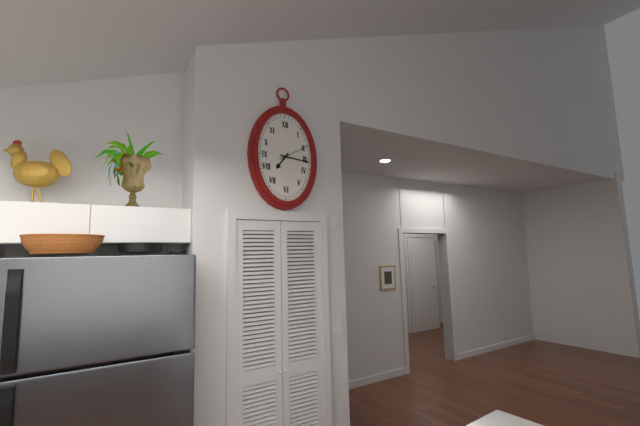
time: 7:16
